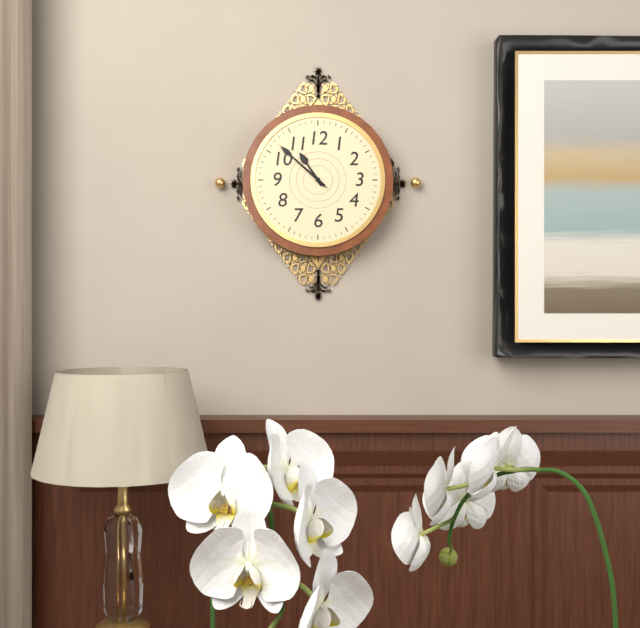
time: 10:52:52
